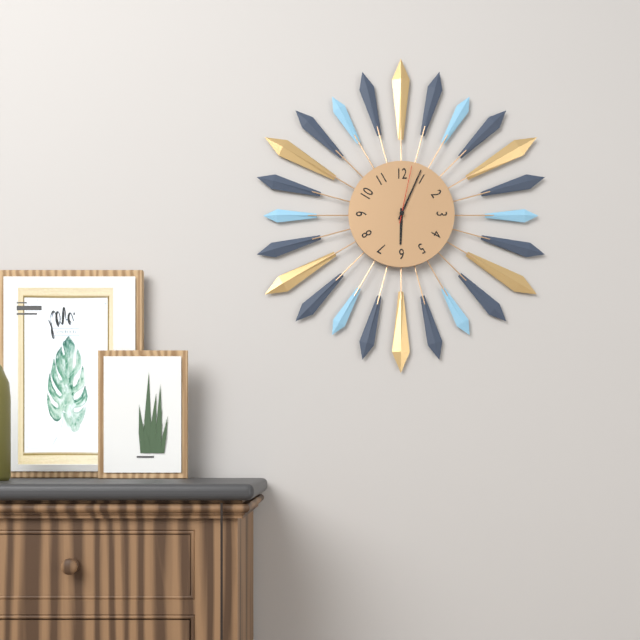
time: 6:04:02
